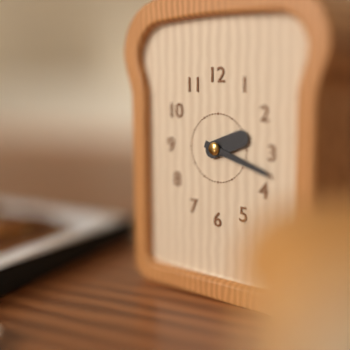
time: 2:18
